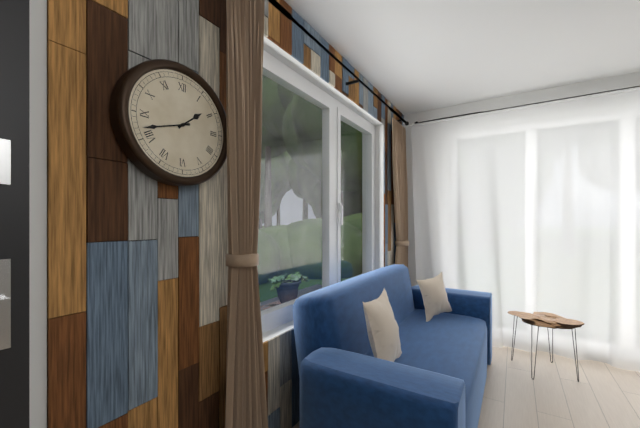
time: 1:42
